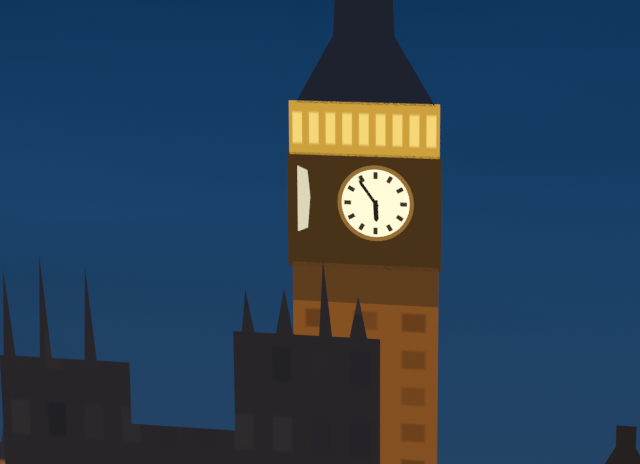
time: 5:54
